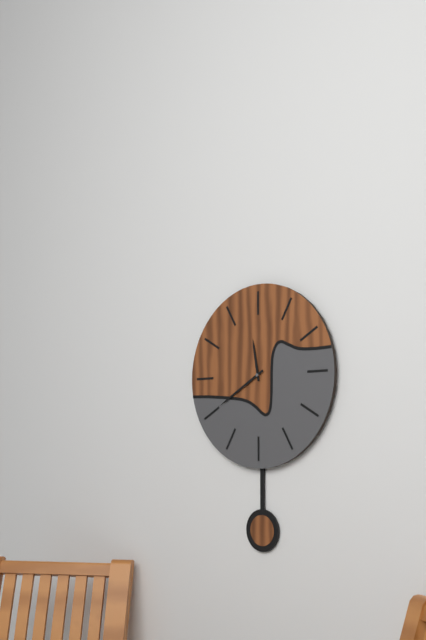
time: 11:40
